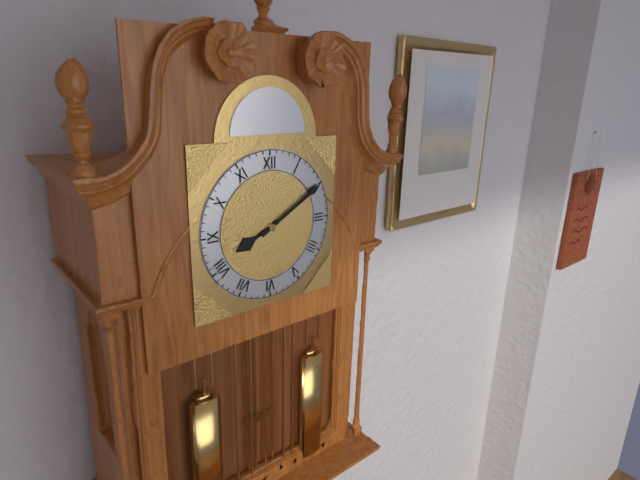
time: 8:10
